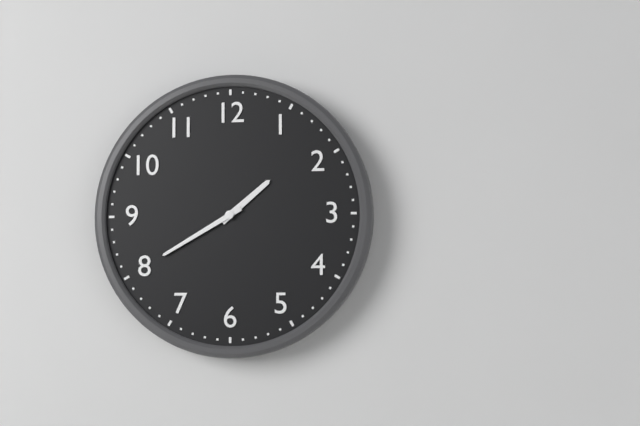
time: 1:40
